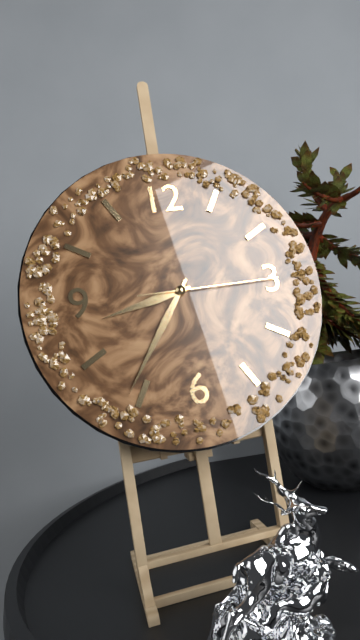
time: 8:36:15
